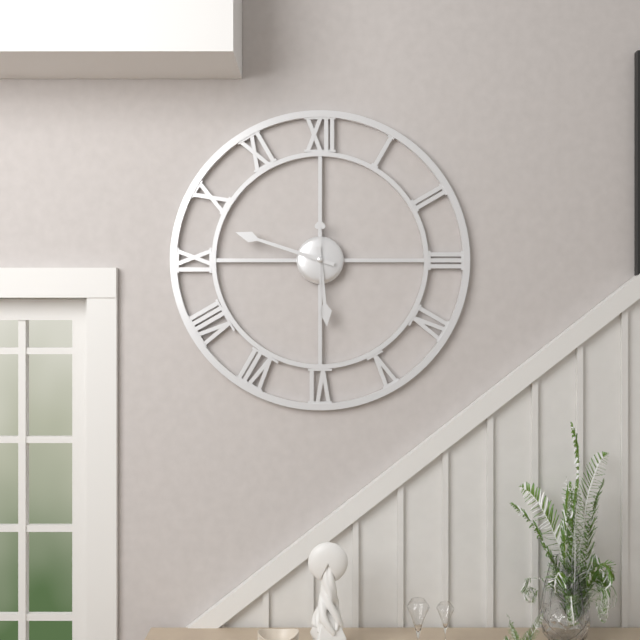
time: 5:48:30
